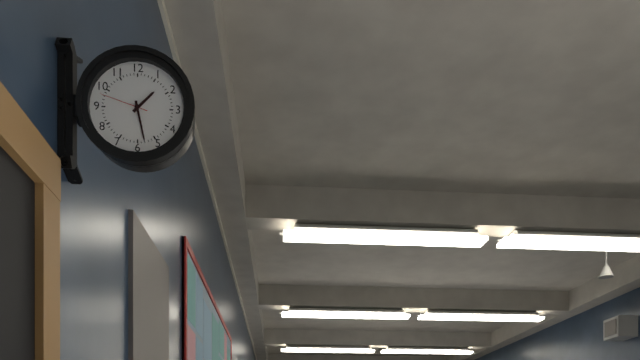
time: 1:28
